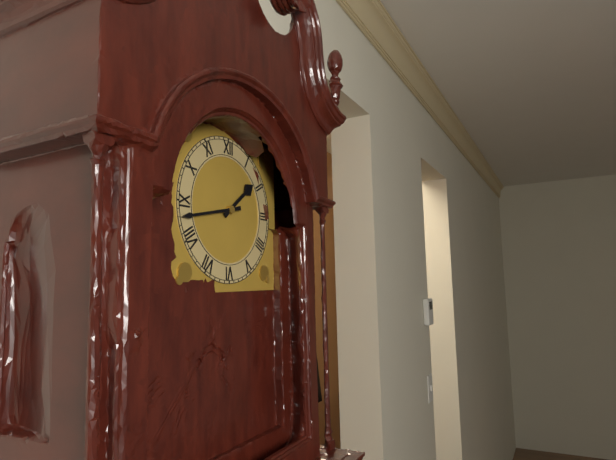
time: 1:43
